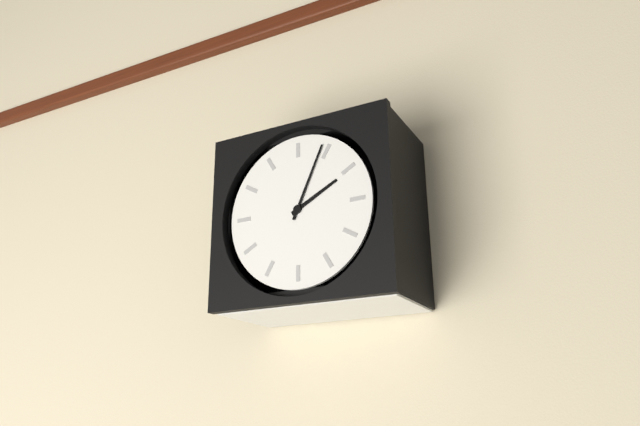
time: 2:04
